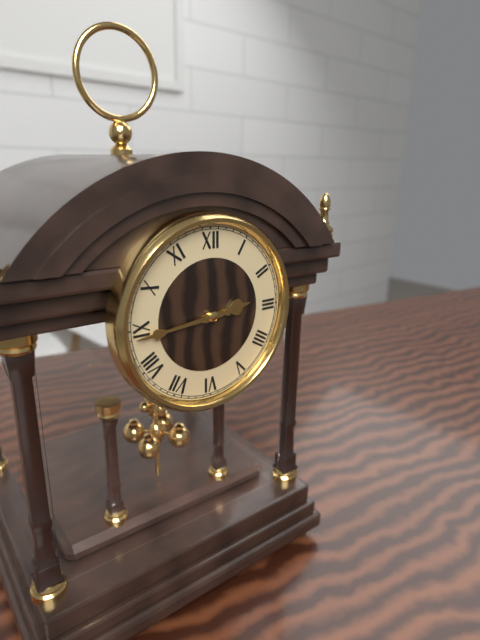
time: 2:44
